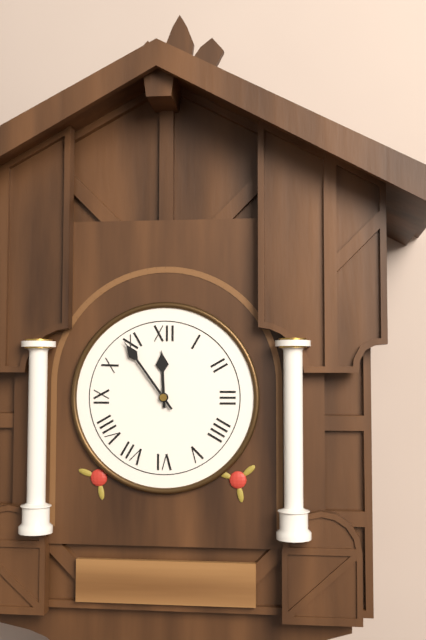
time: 11:54
